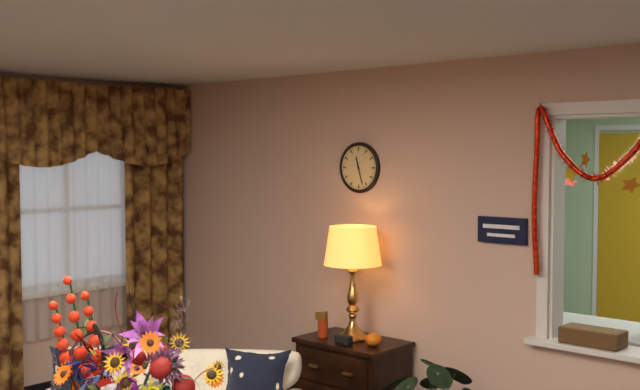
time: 11:27
